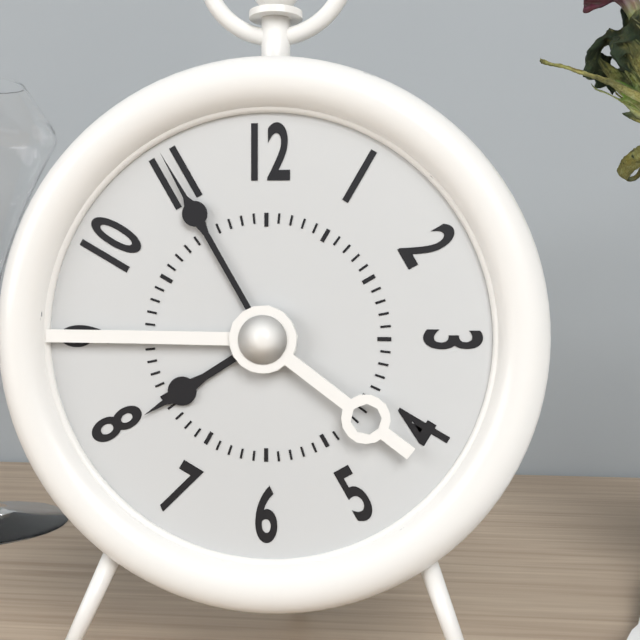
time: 7:55
